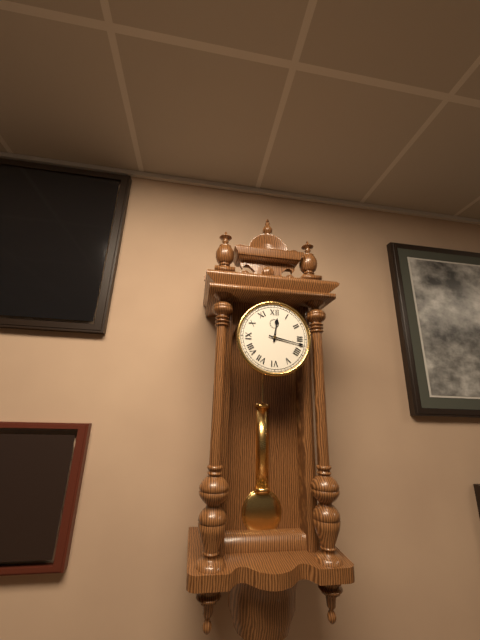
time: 12:17
